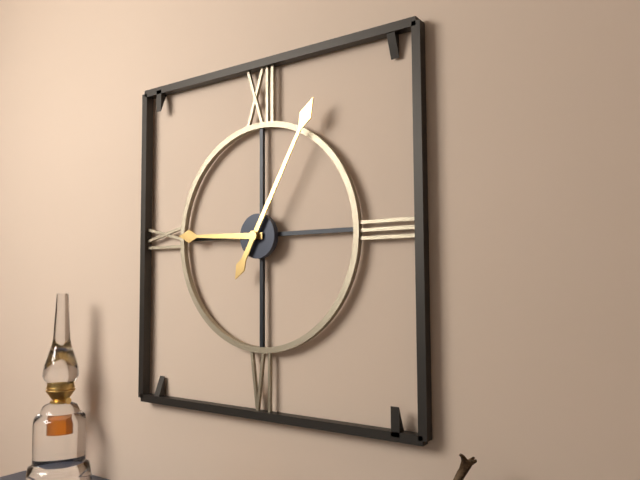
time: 9:05
